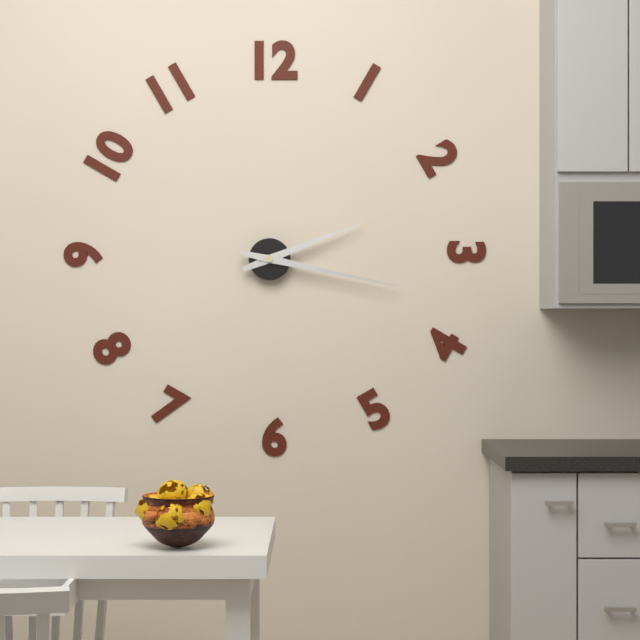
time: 2:17
